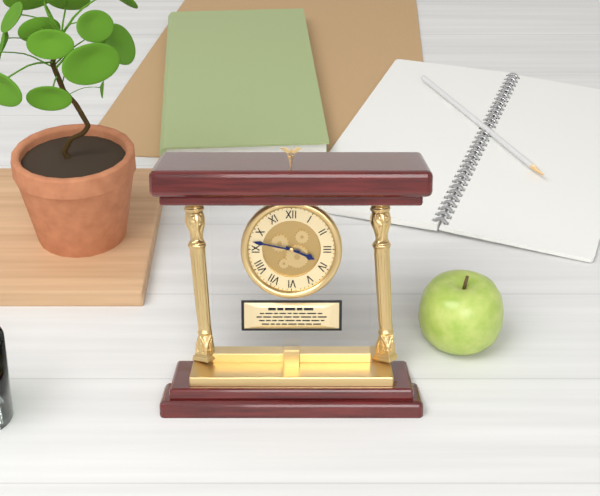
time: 3:47
